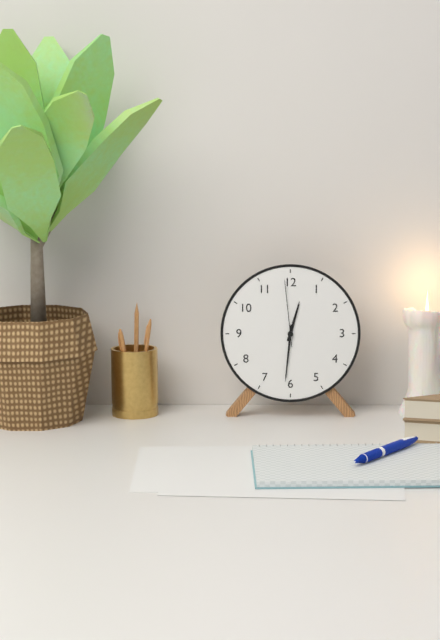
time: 12:31:59
